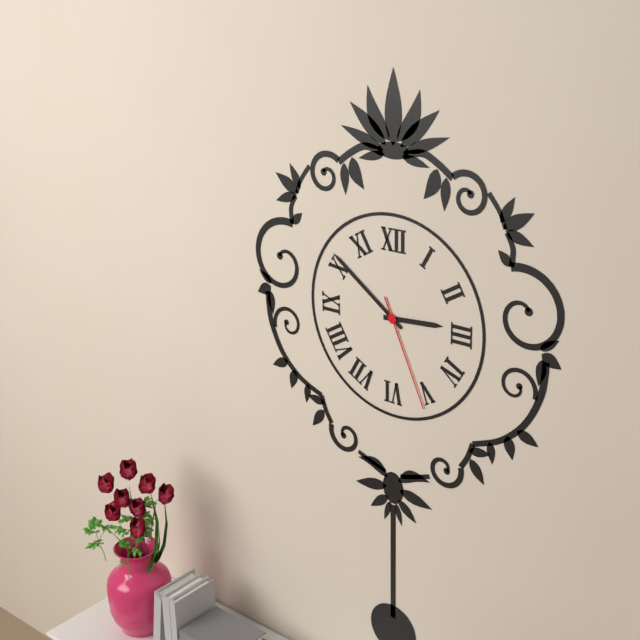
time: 2:51:26
